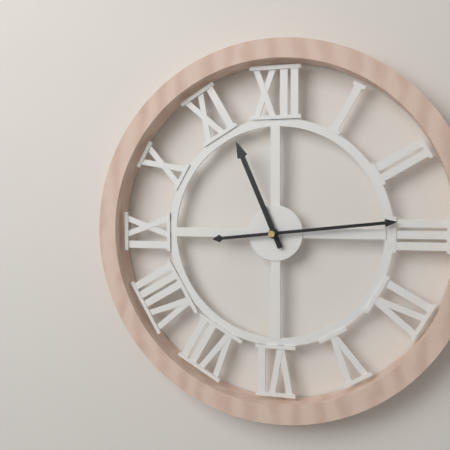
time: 11:14
